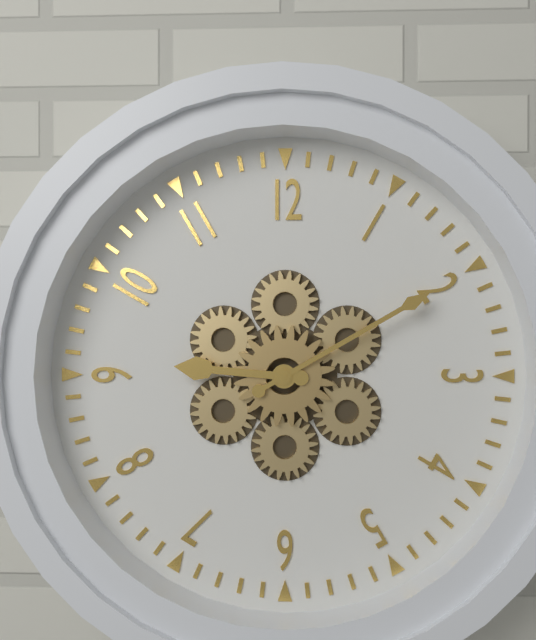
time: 9:10
